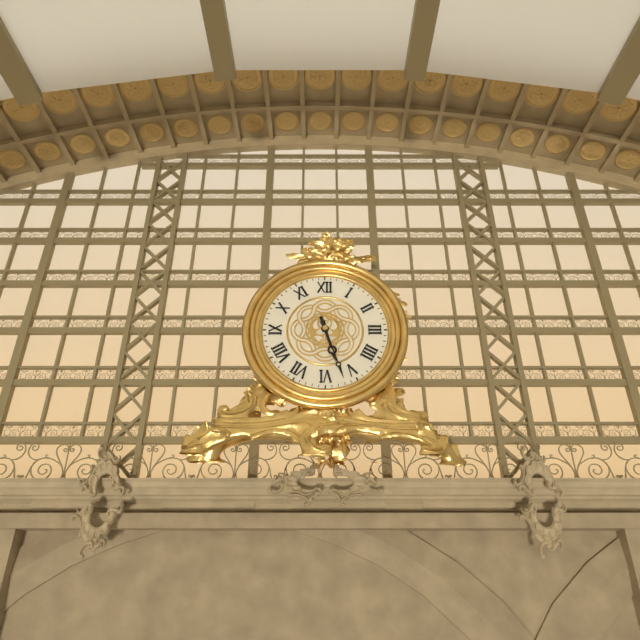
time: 5:27
